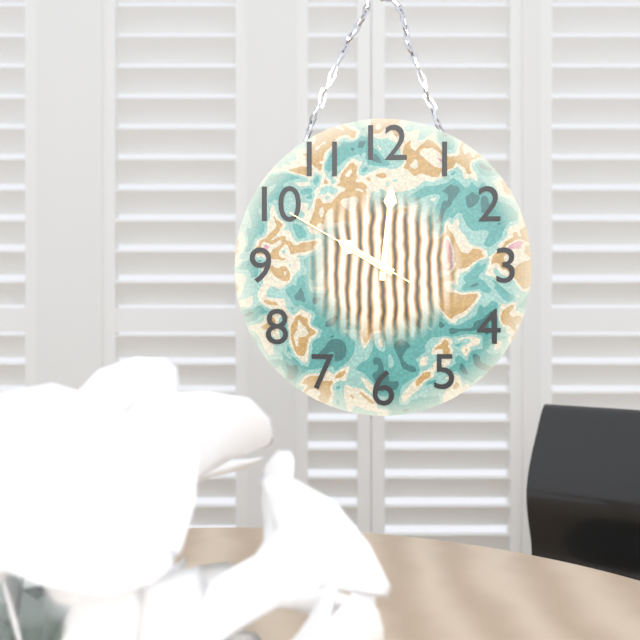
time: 10:01:50
